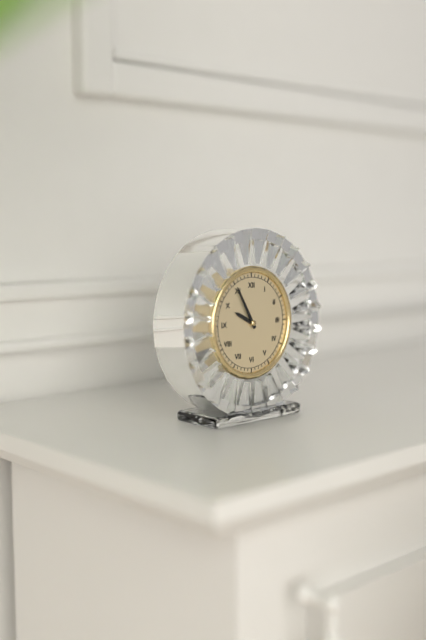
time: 9:55
